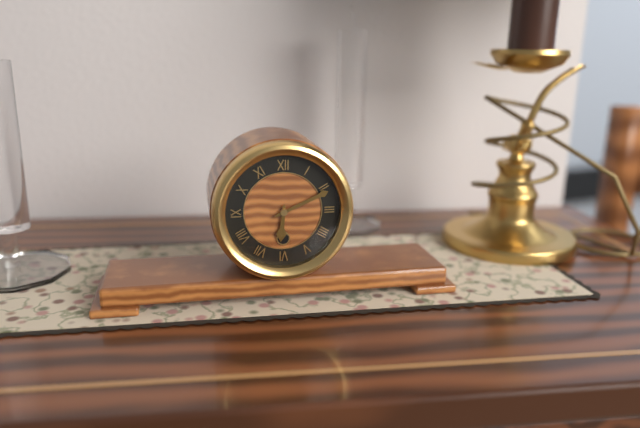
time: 6:11
